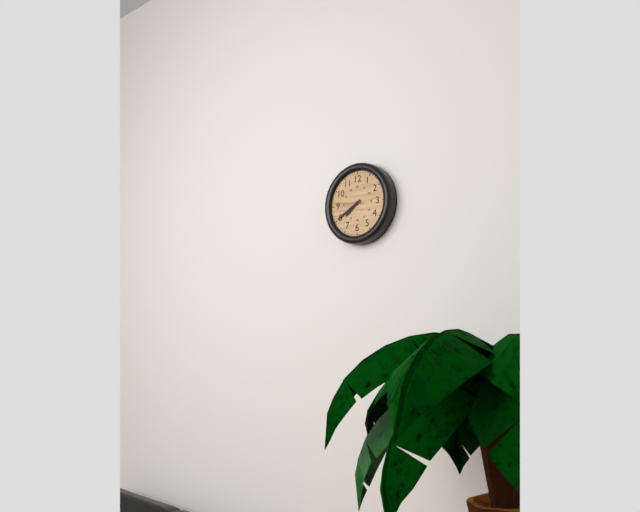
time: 7:40
